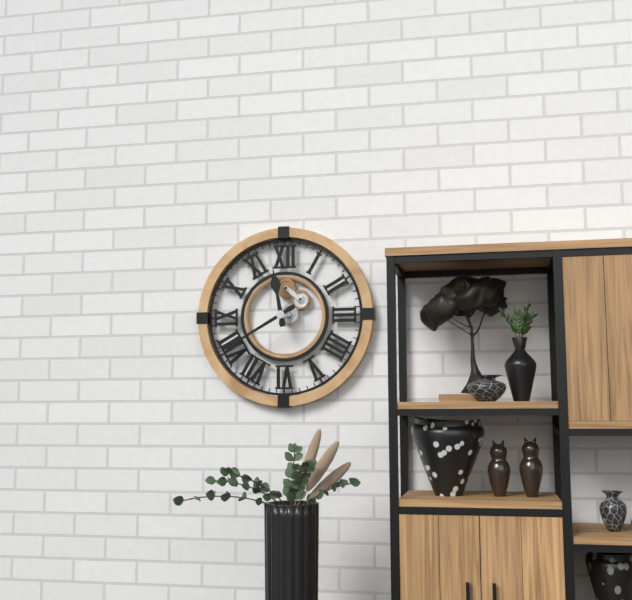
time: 11:40
